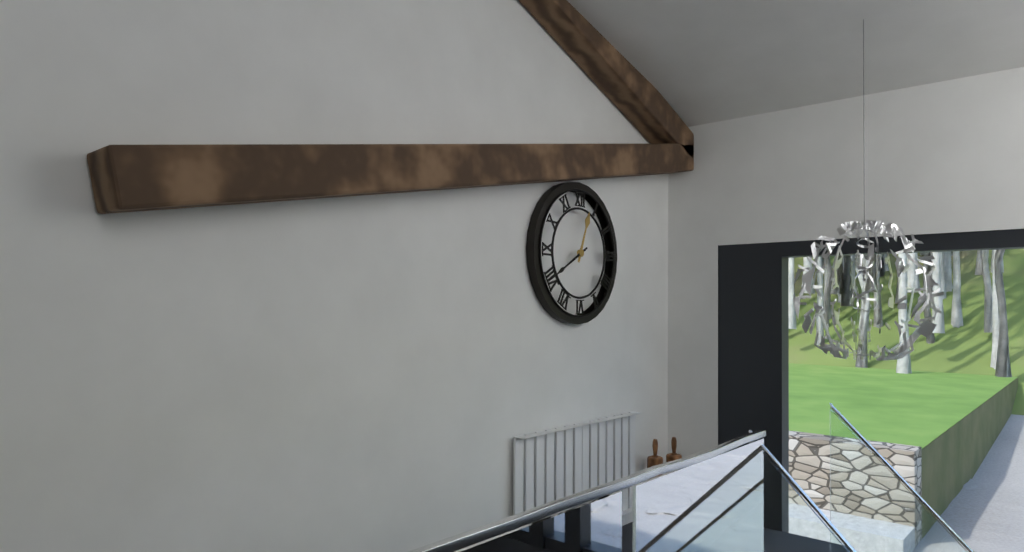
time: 12:40
